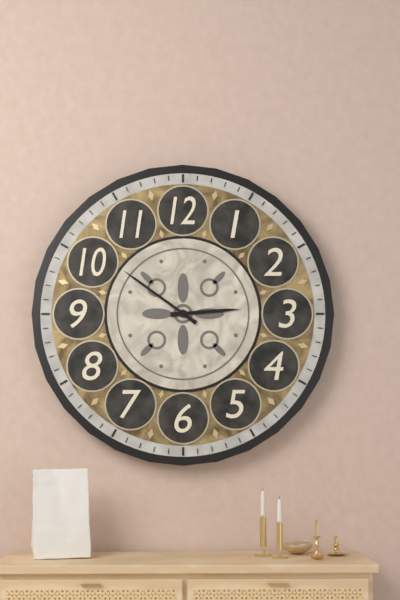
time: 2:51
